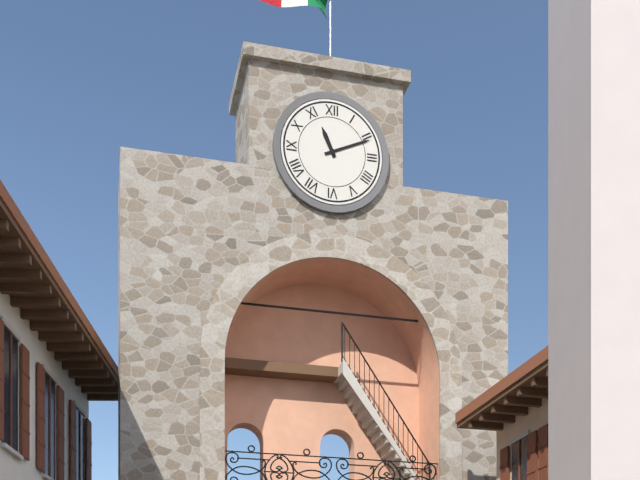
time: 11:11
